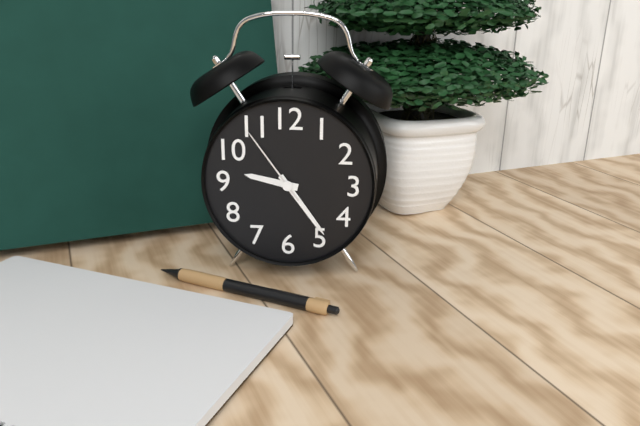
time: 9:24:54
